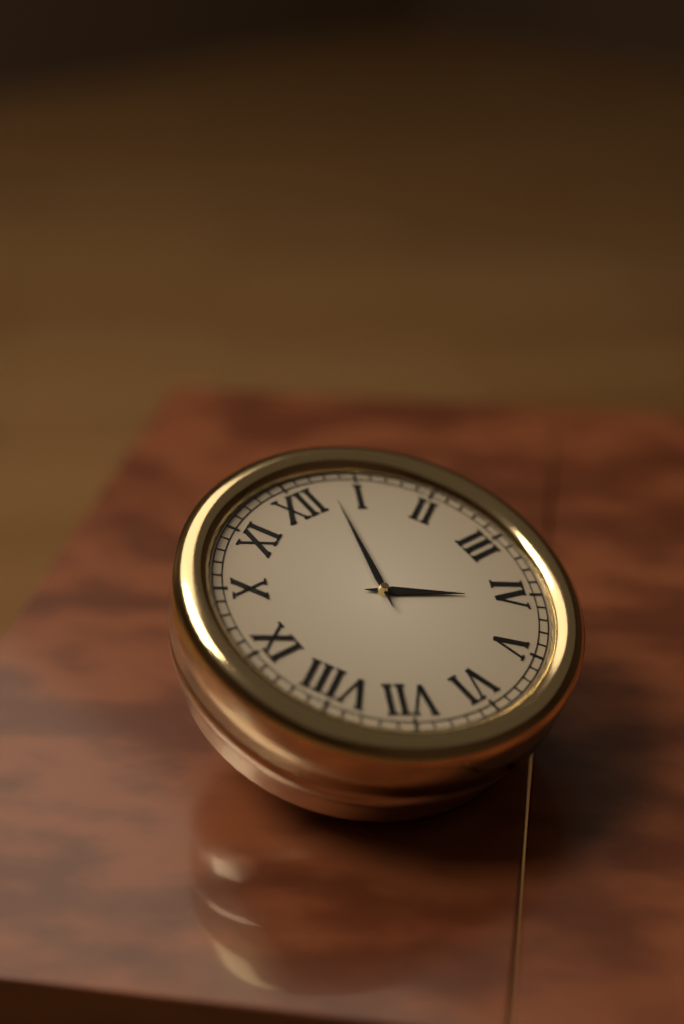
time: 4:03
